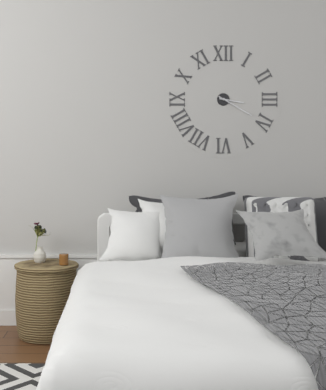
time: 3:20
